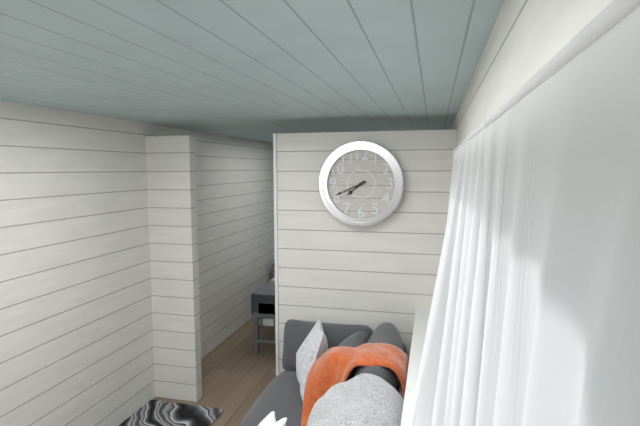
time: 7:41
